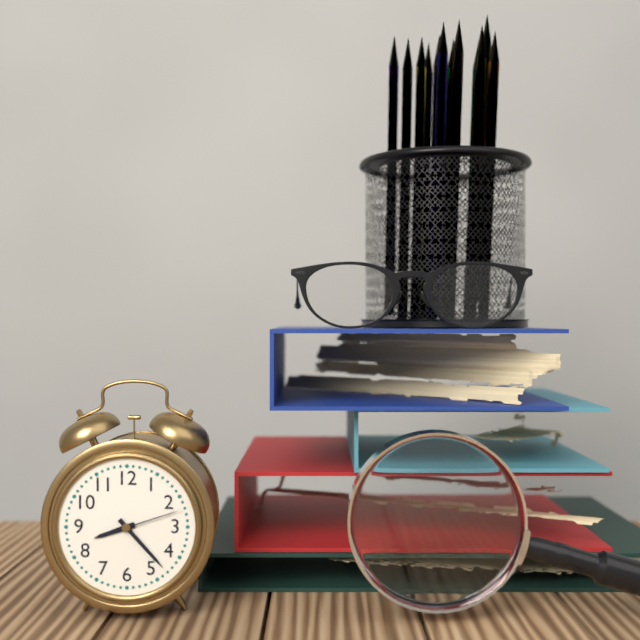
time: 8:23:12
